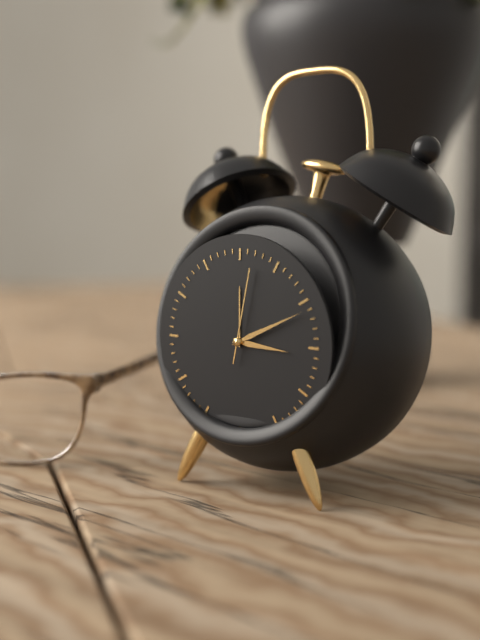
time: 3:11:02
